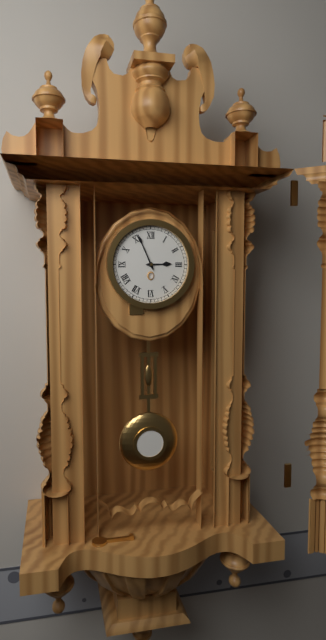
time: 2:56
